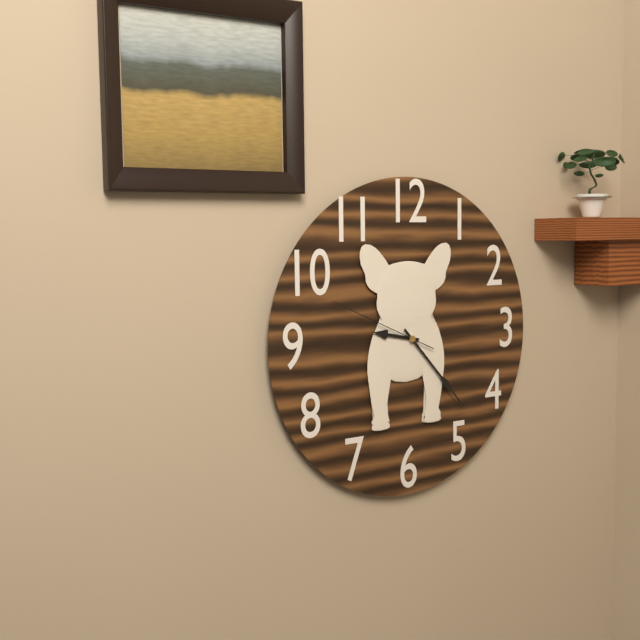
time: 9:23:49
